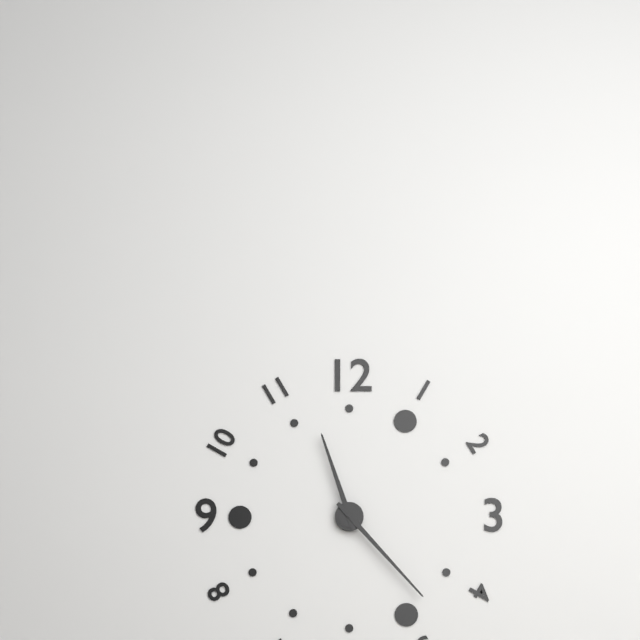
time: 11:23
